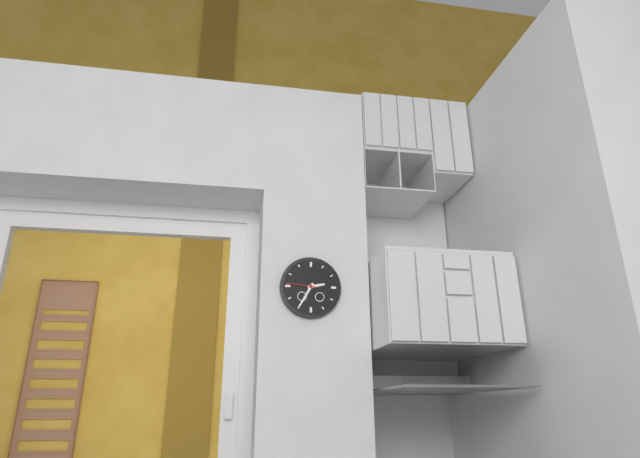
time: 2:35
